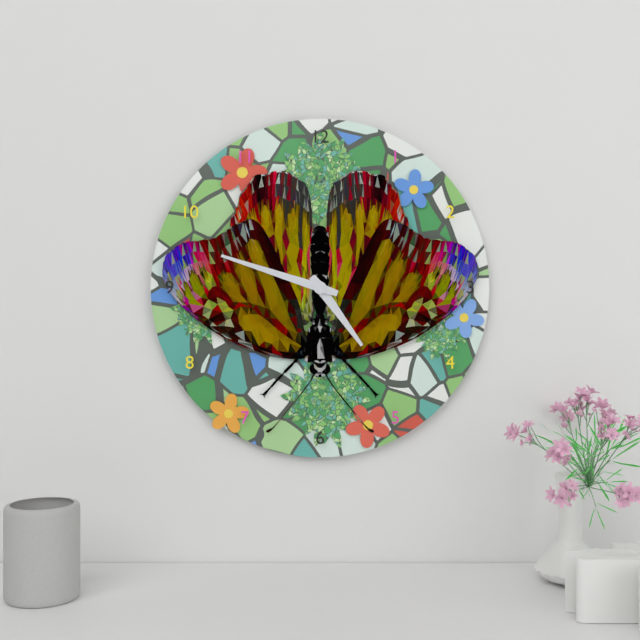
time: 4:48
